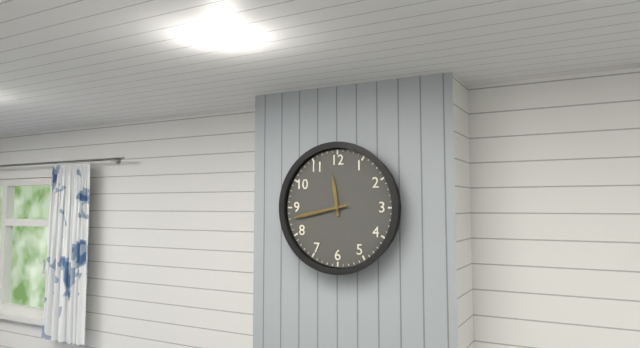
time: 11:43
